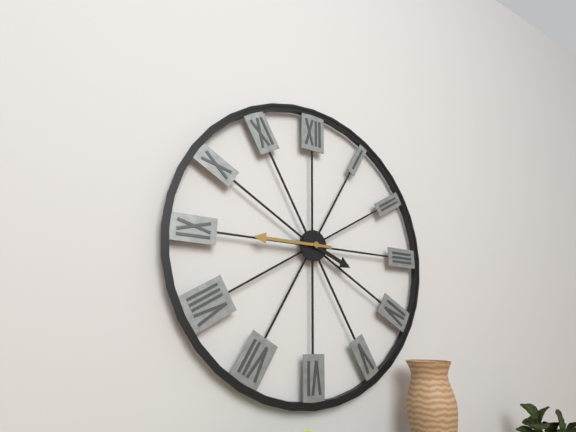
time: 3:45
